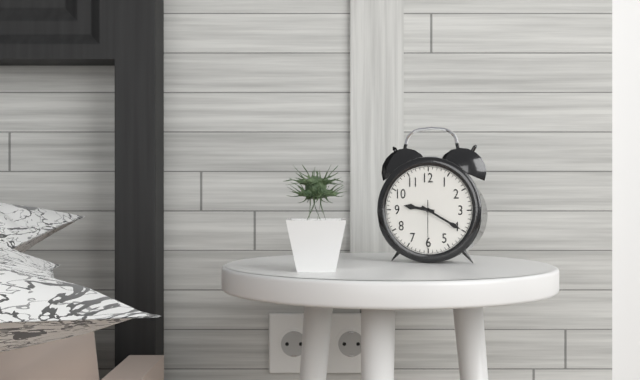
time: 9:20
